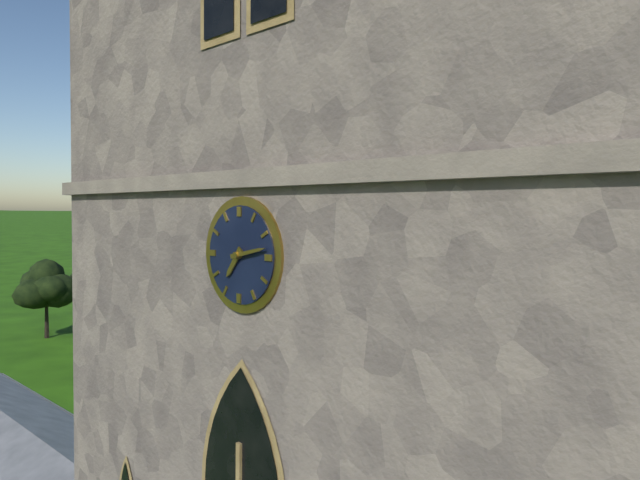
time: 7:13
